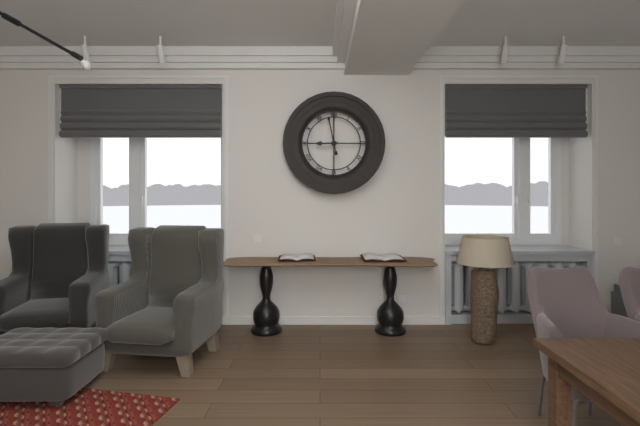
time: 8:58
